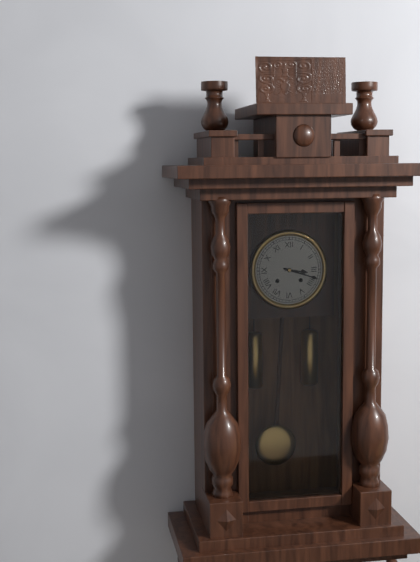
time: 3:18
